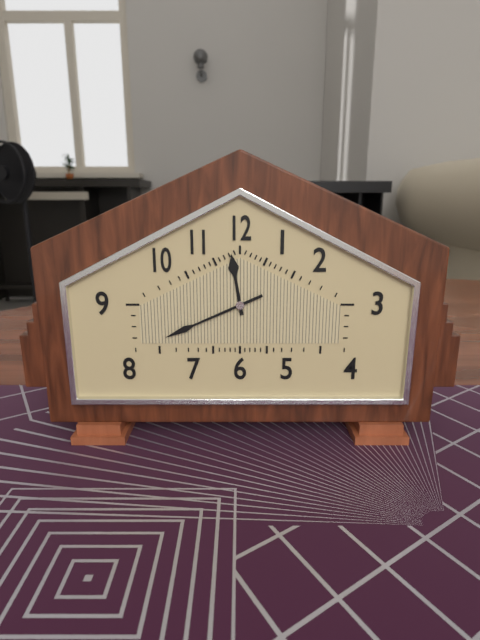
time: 11:41
